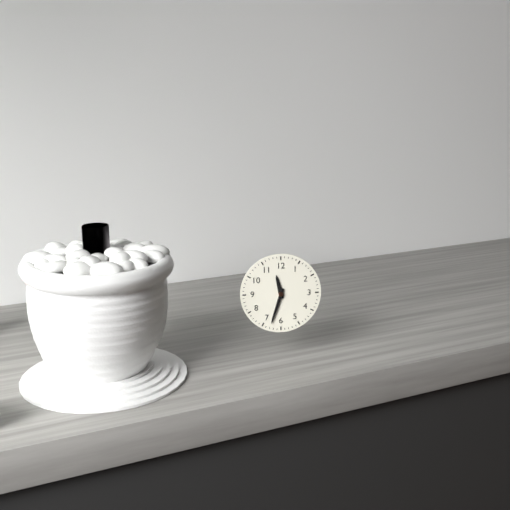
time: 11:33
